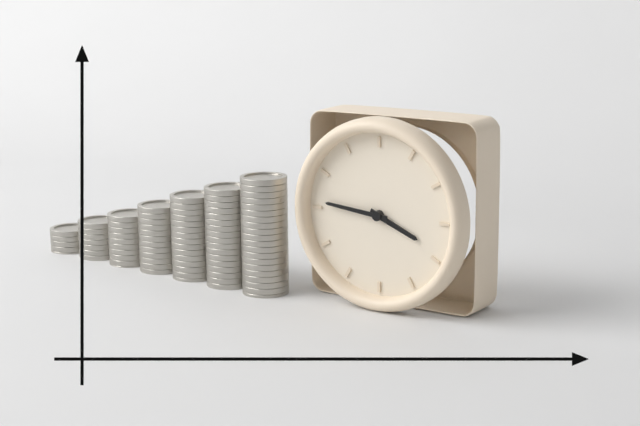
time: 3:46
